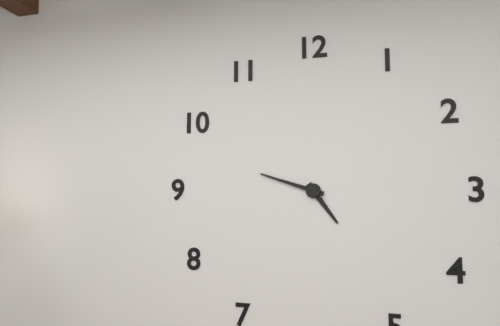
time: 4:48
